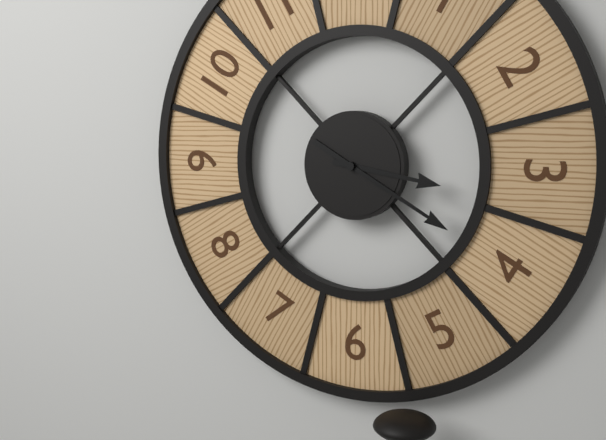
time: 3:20
